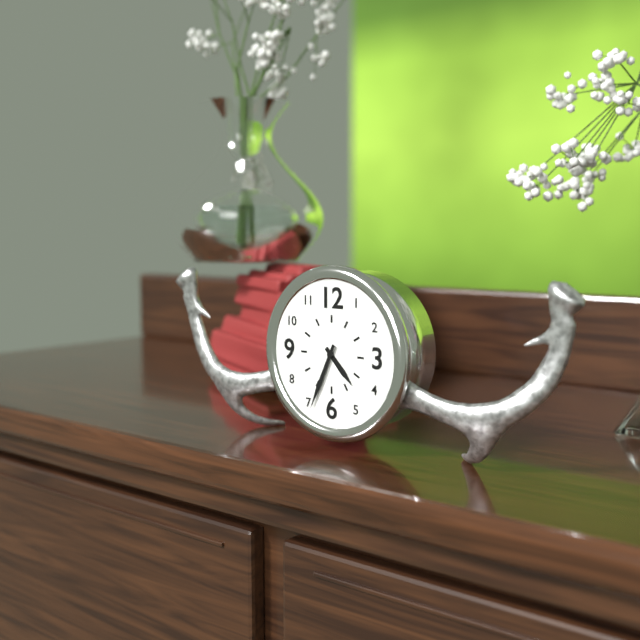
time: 4:34
